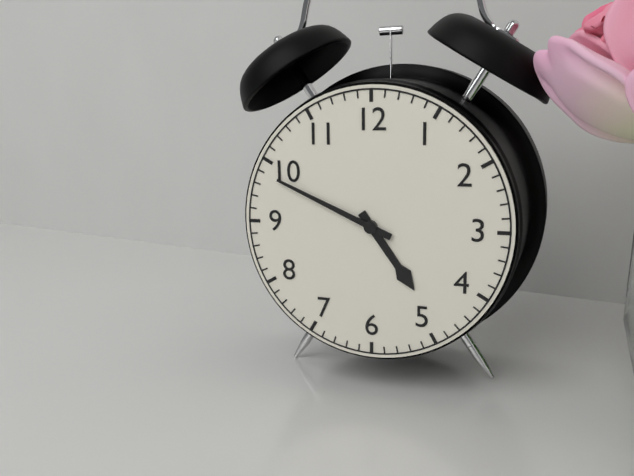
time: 4:49
